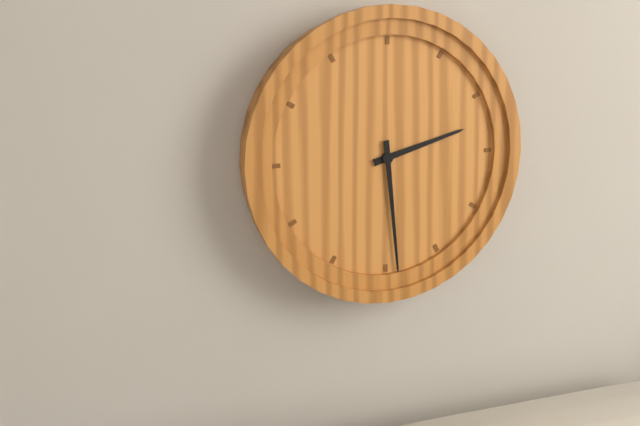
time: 2:29
